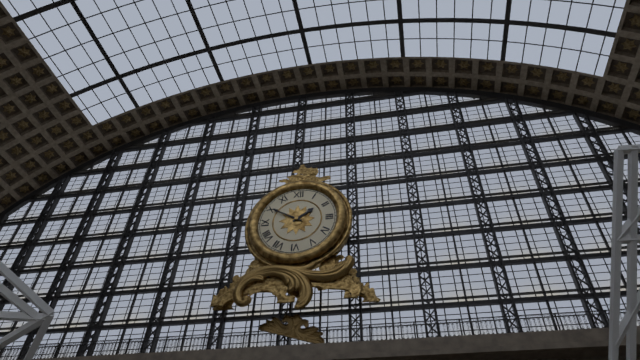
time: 1:50
